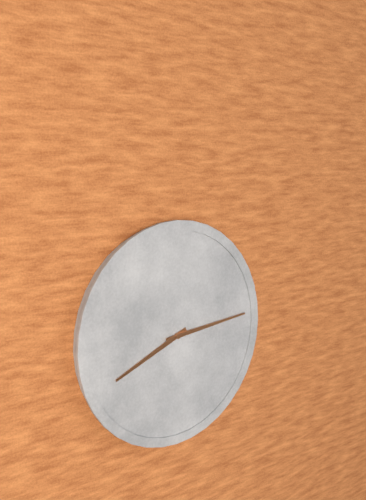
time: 8:14
